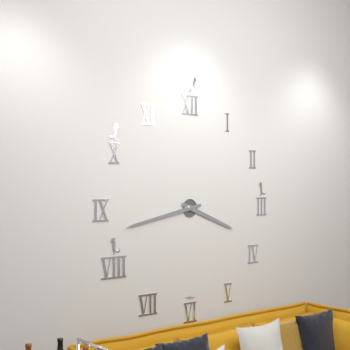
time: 3:43
